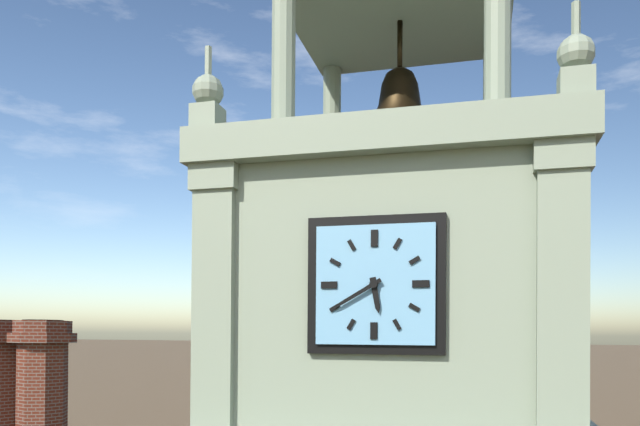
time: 5:40
